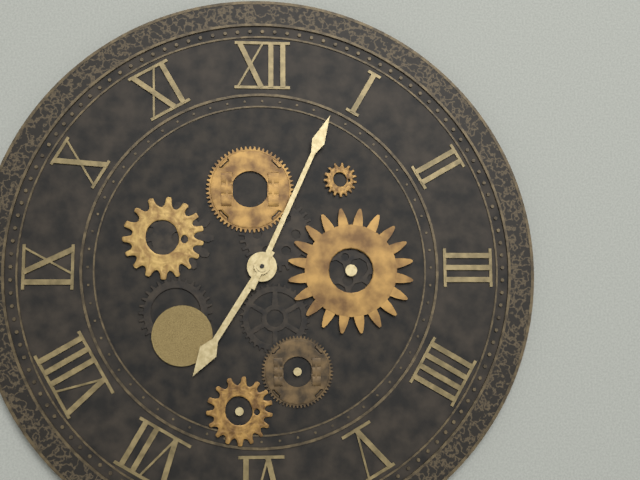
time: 7:04
